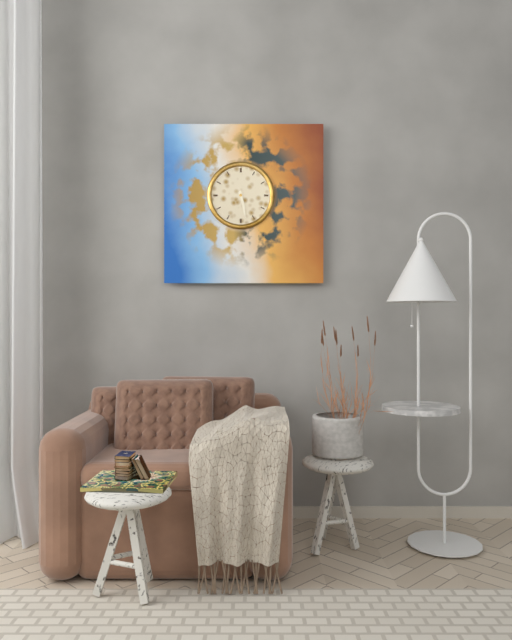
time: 5:28
